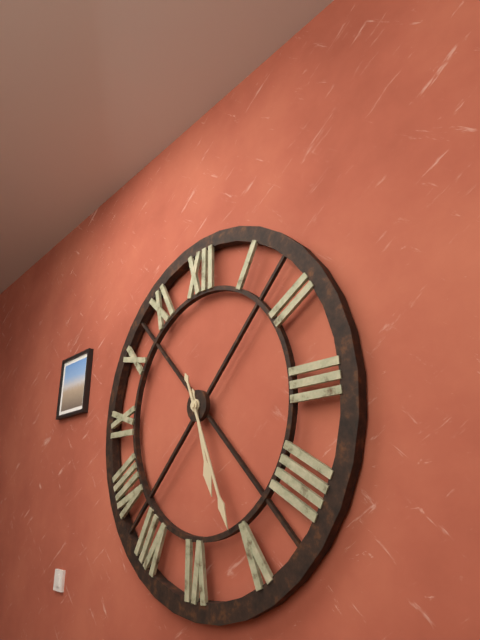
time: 5:26
